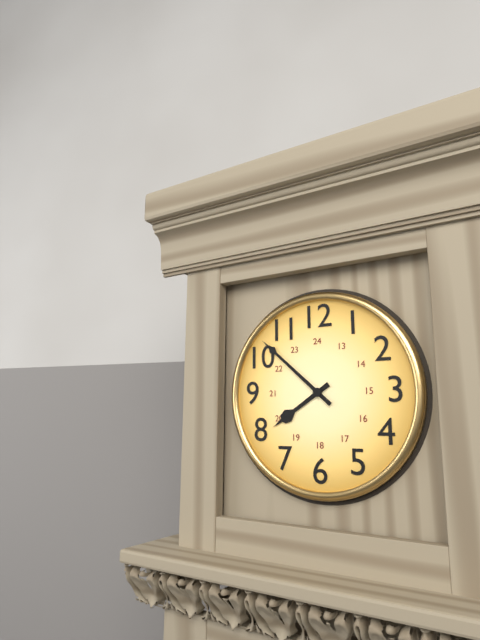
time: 7:52
